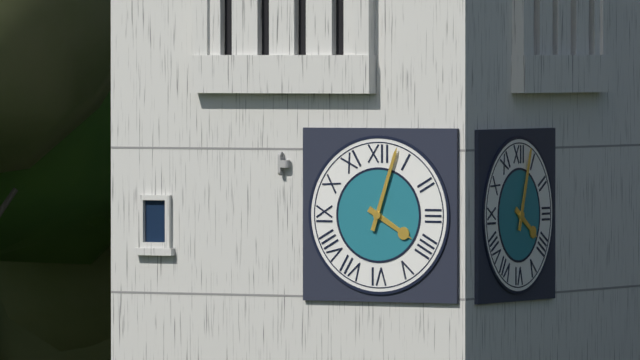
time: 4:03
